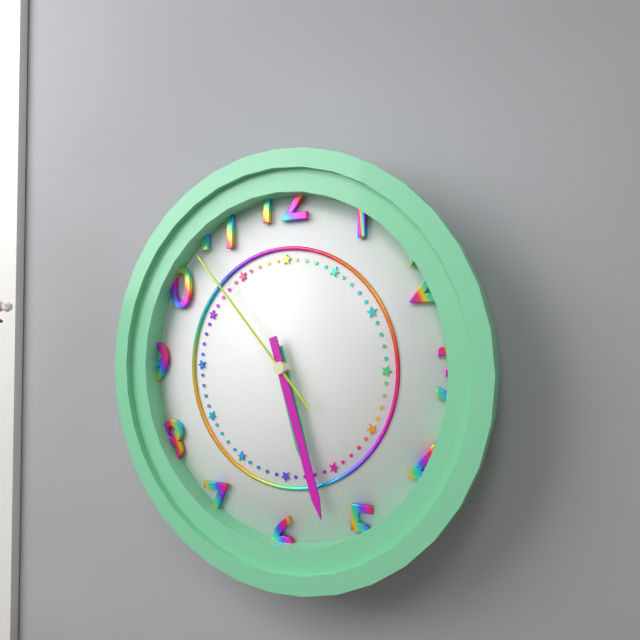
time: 5:27:53
